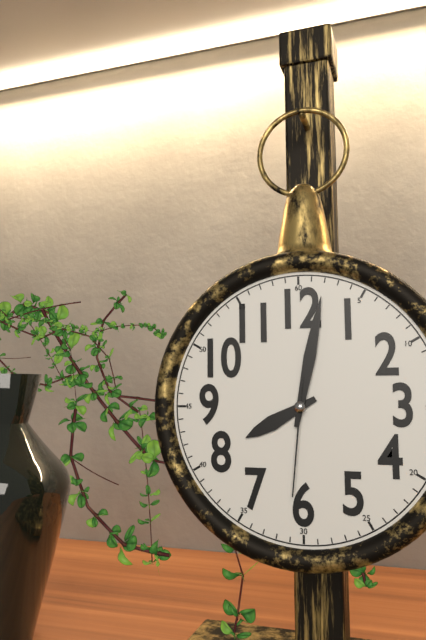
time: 8:02:31
